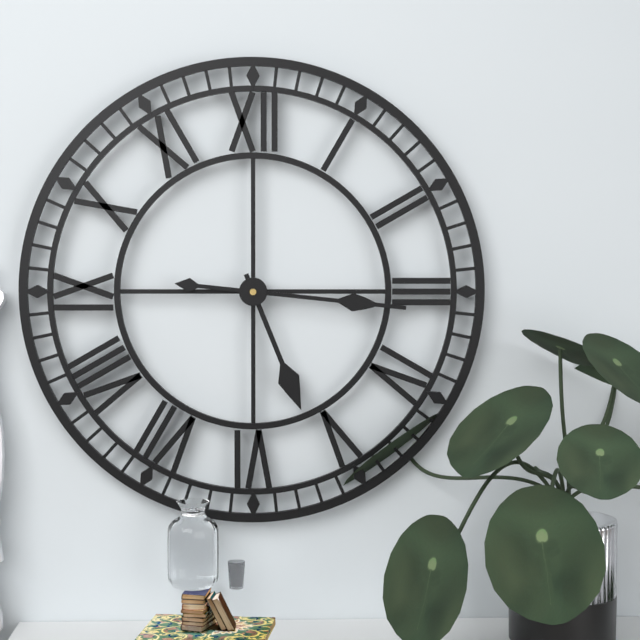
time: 5:16
